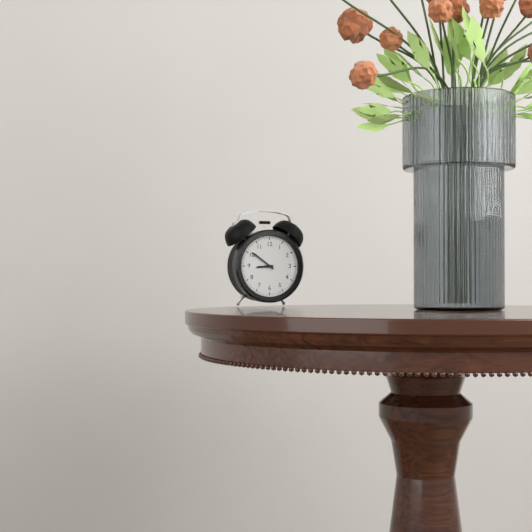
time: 8:51
